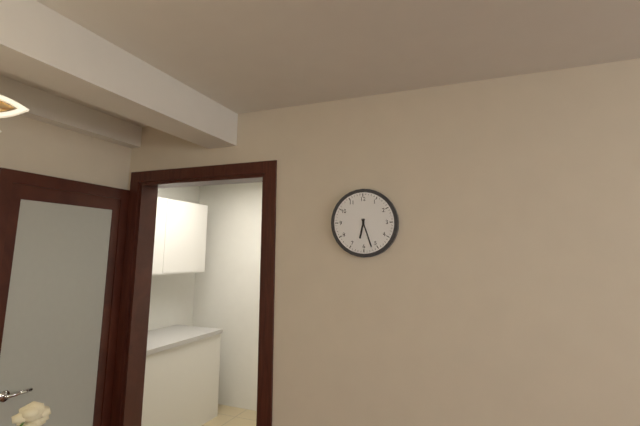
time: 6:27
